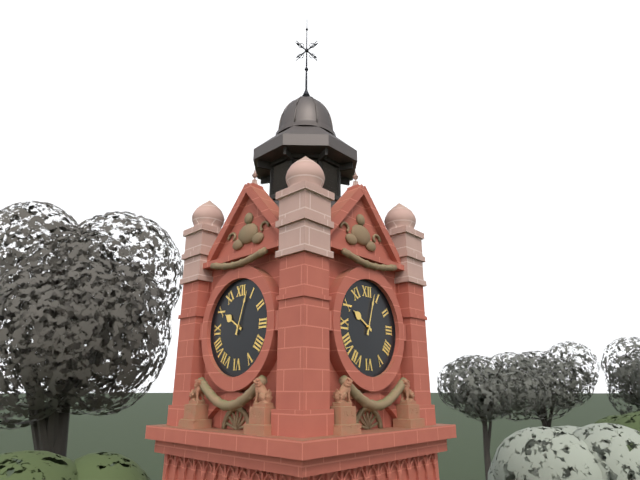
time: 10:03
